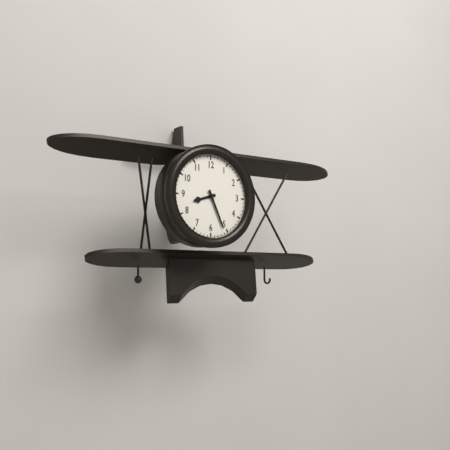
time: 8:26
